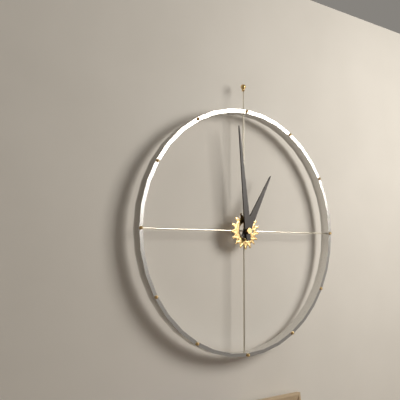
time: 12:59
